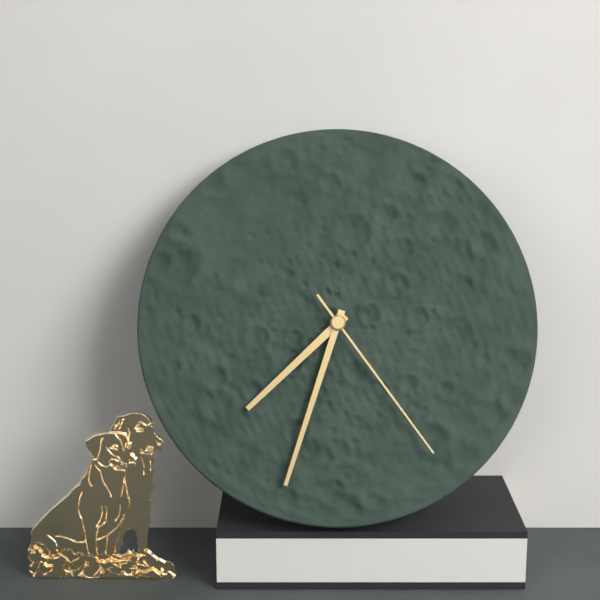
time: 7:33:24
